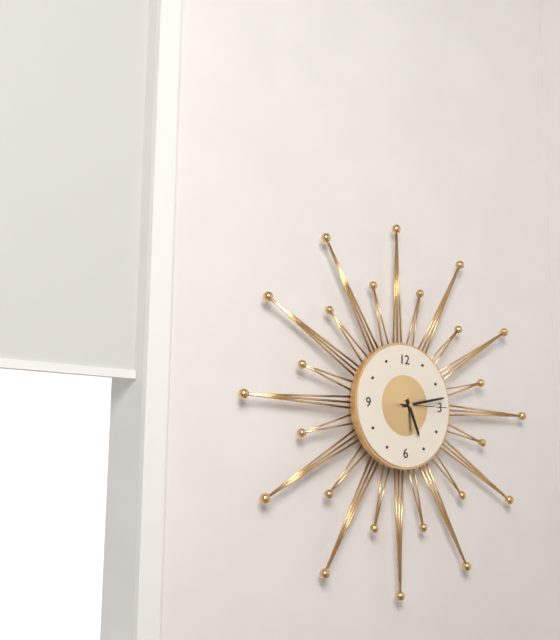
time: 5:13
